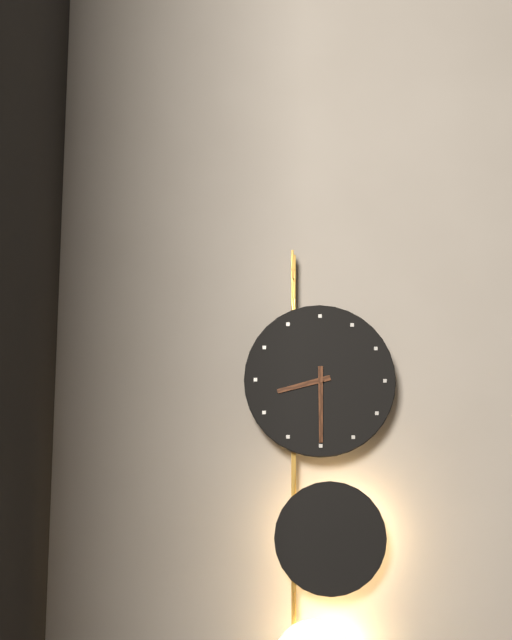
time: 8:30
